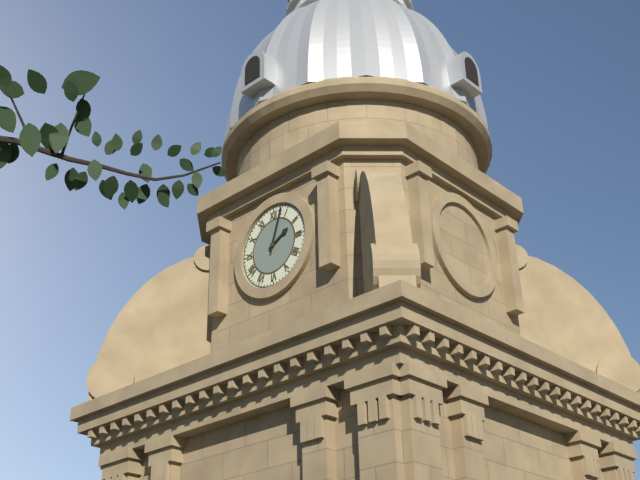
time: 2:03
